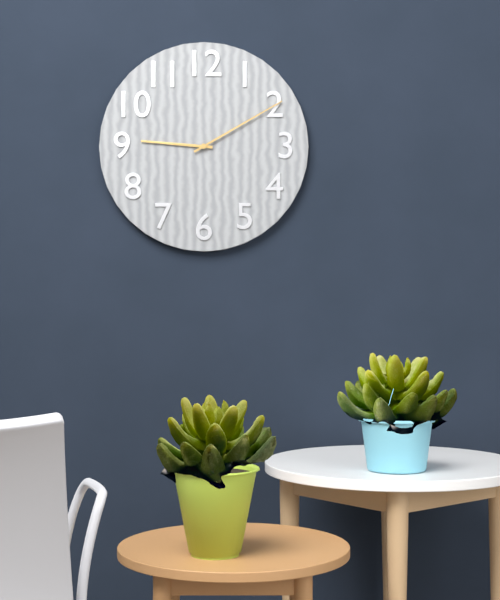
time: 9:10
